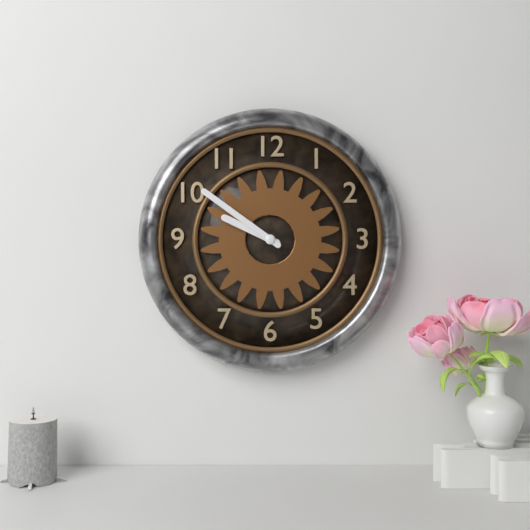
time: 9:51
